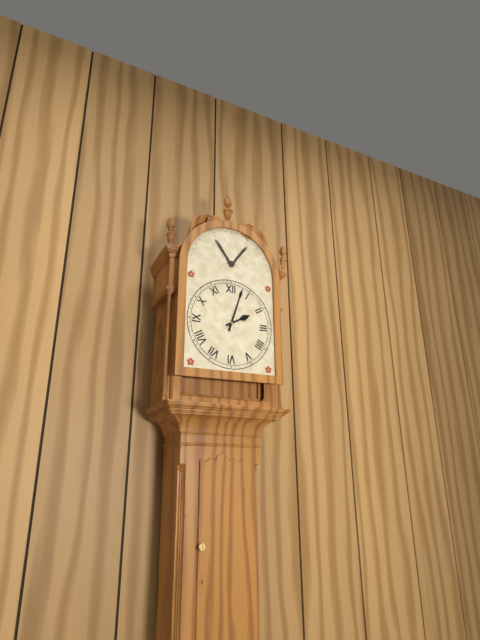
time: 2:03
